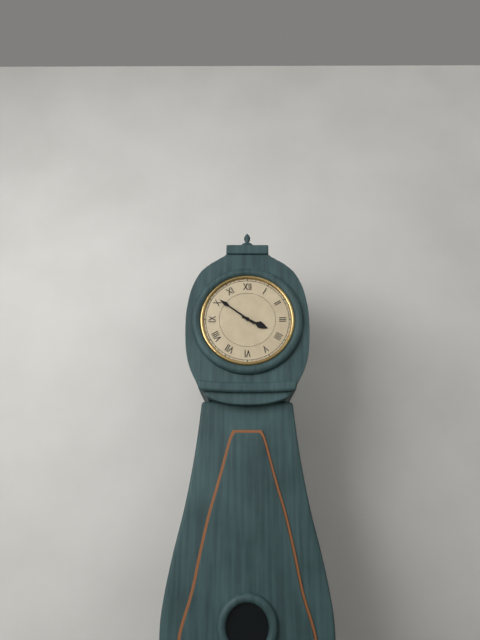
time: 3:51
